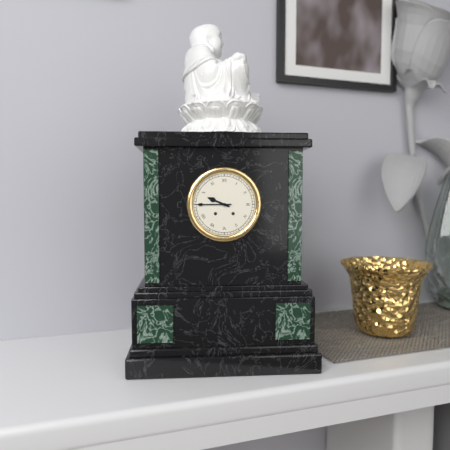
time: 9:45
